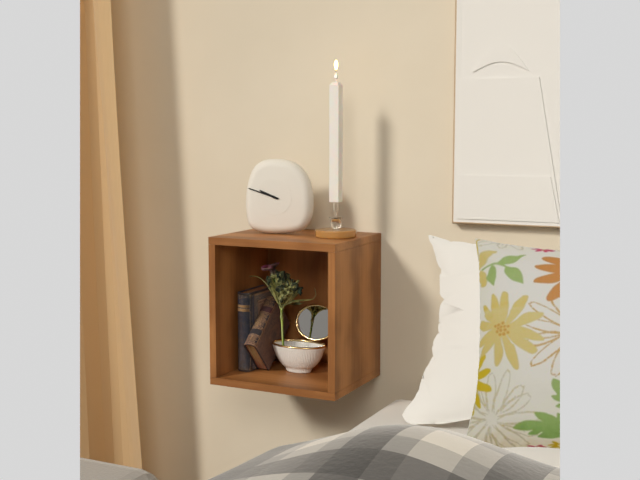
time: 9:48
